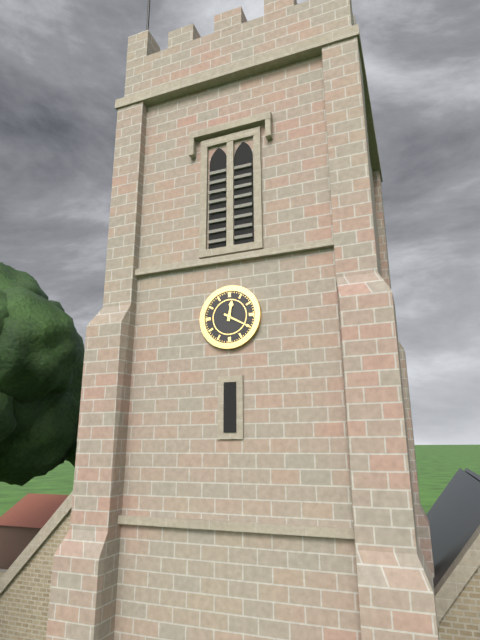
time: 12:20
